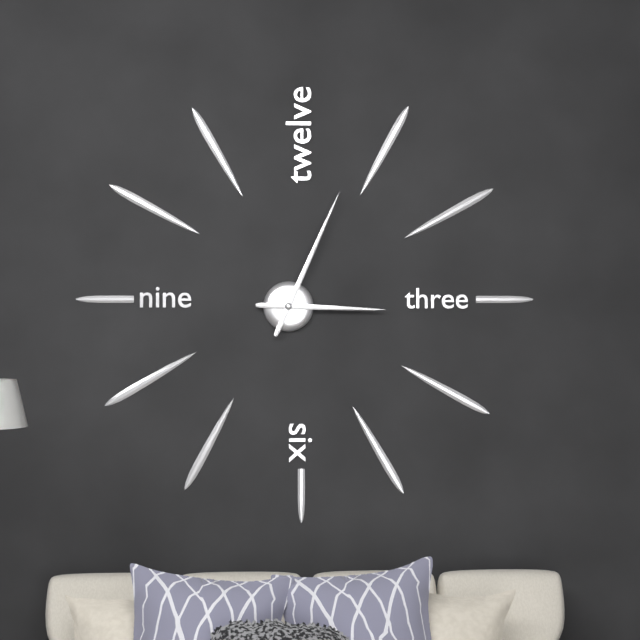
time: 3:04
